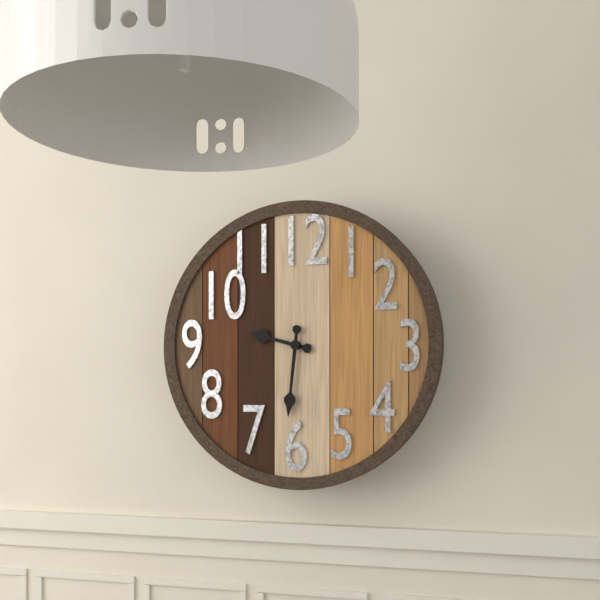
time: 9:31
